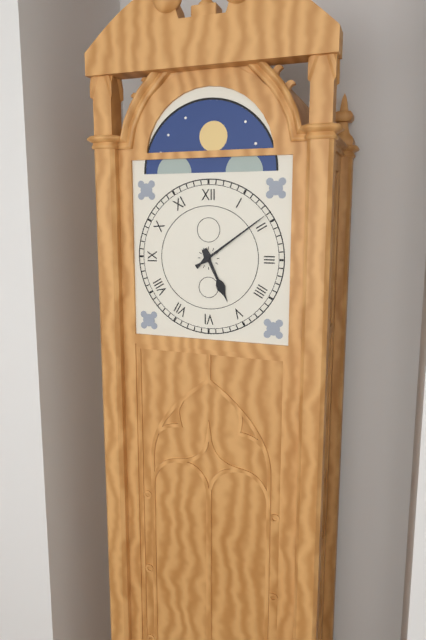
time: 5:09
